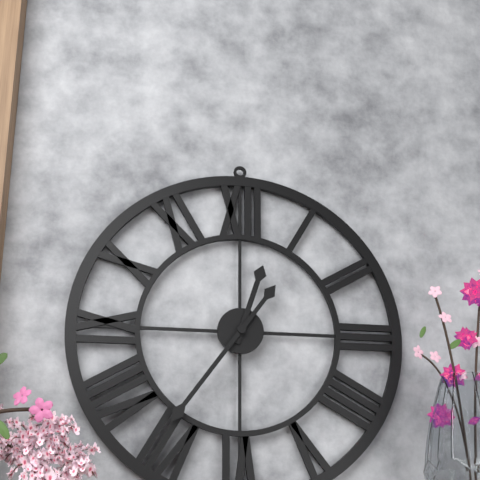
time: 12:36
